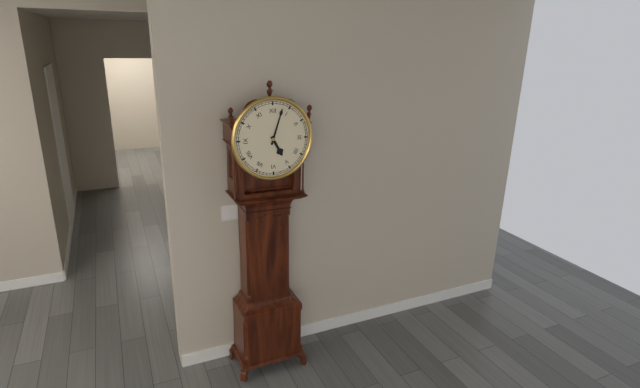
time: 5:03
